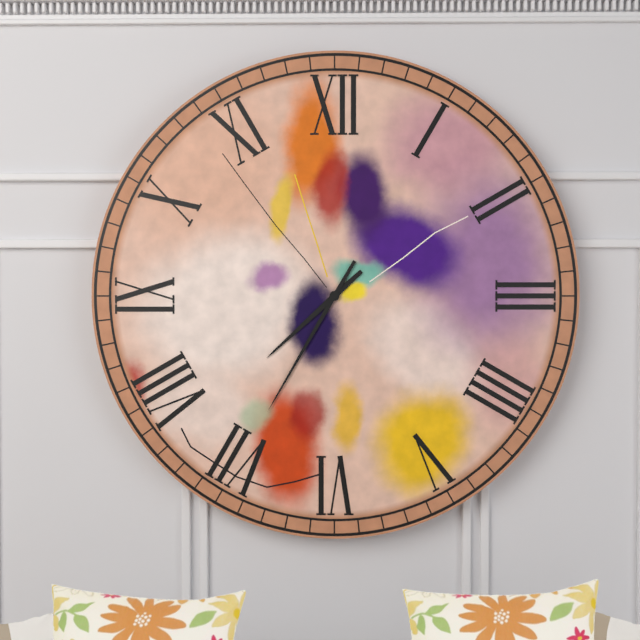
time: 7:35
